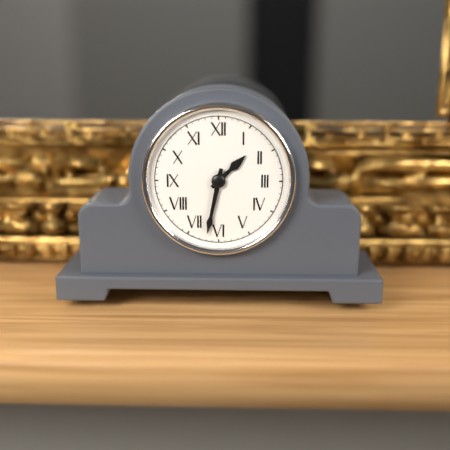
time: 1:32
